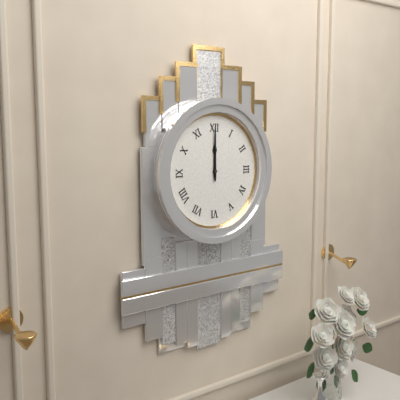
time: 12:00
